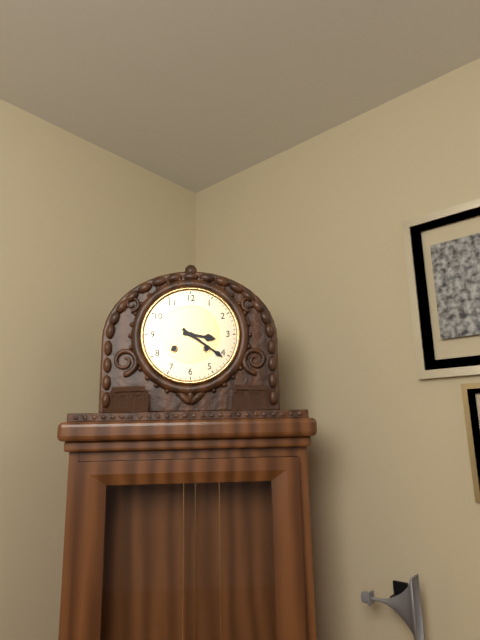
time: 3:21
